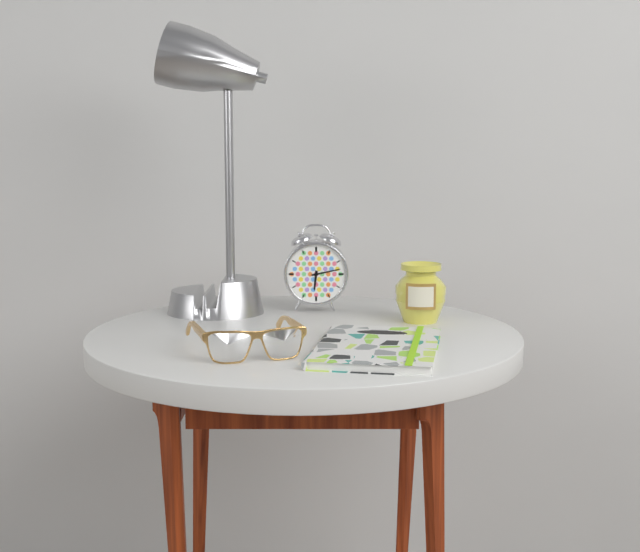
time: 6:13
